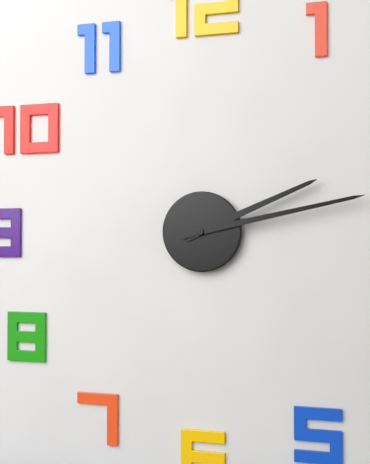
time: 2:13
